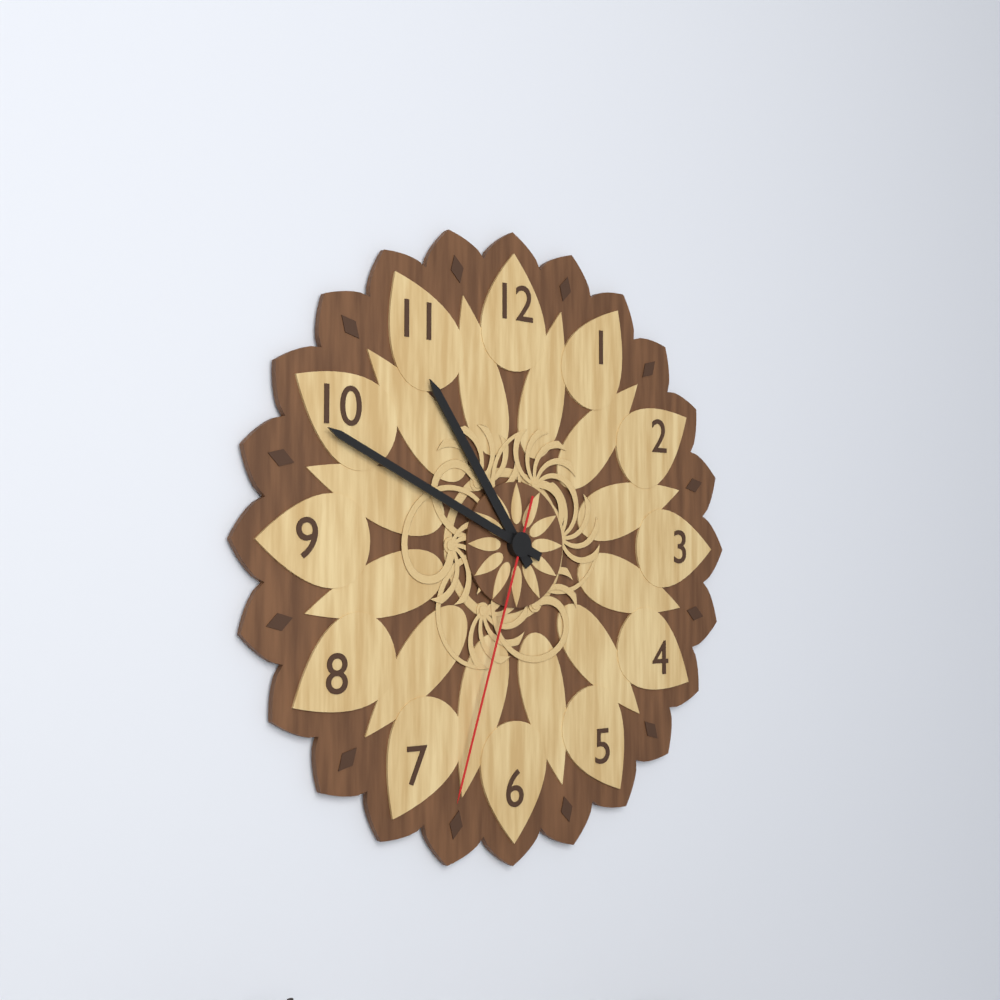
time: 10:49:33
